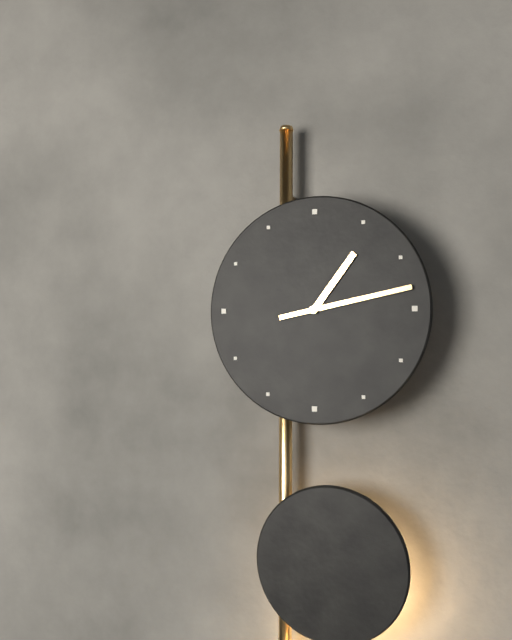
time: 1:13
